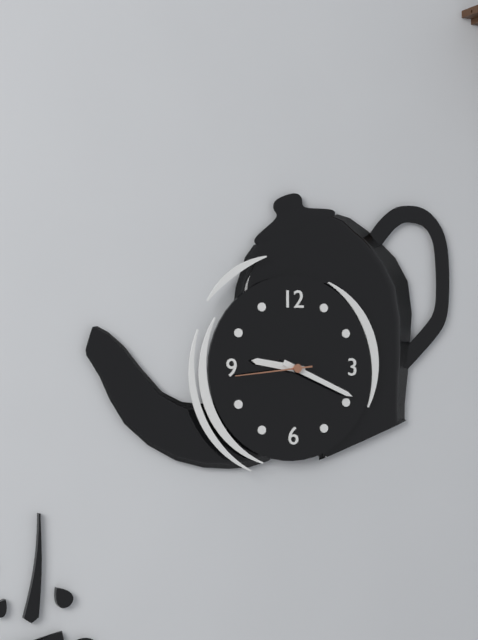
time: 9:19:44
